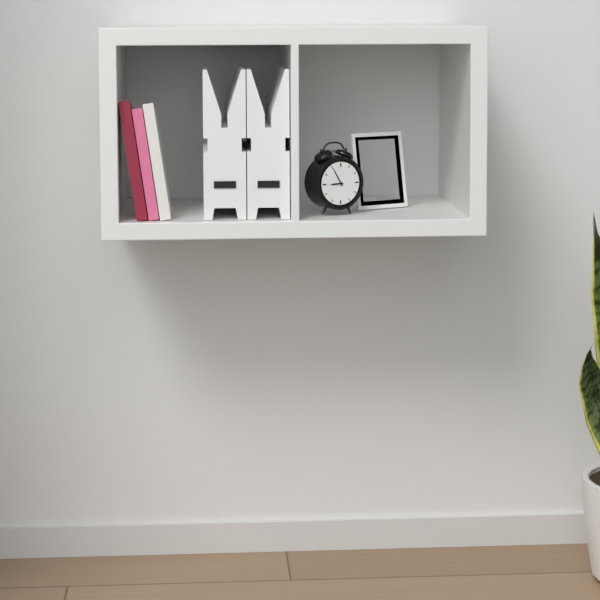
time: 8:55
